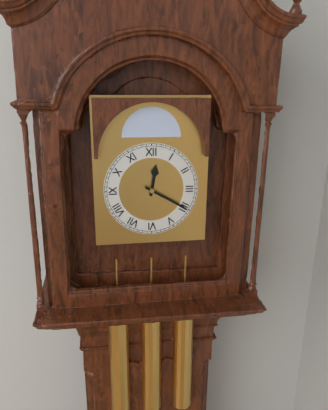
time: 12:20
